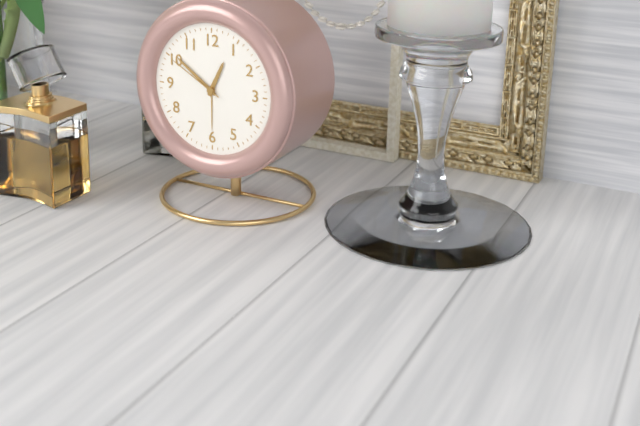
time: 12:51:50
